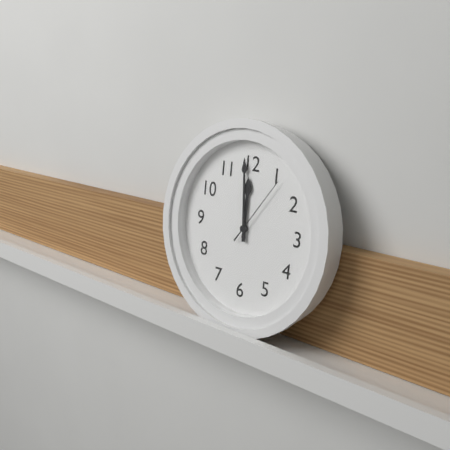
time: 11:59:06
